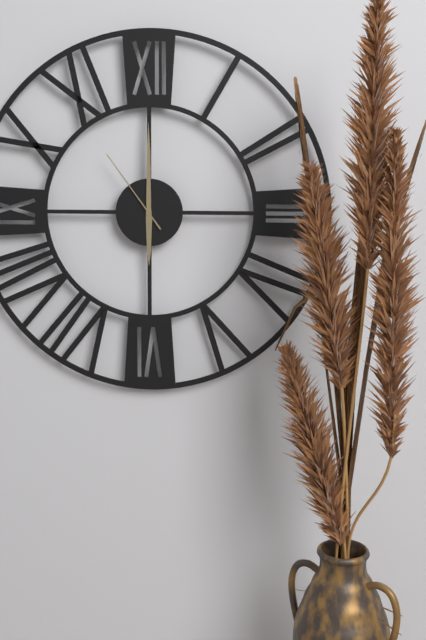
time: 6:00:54
